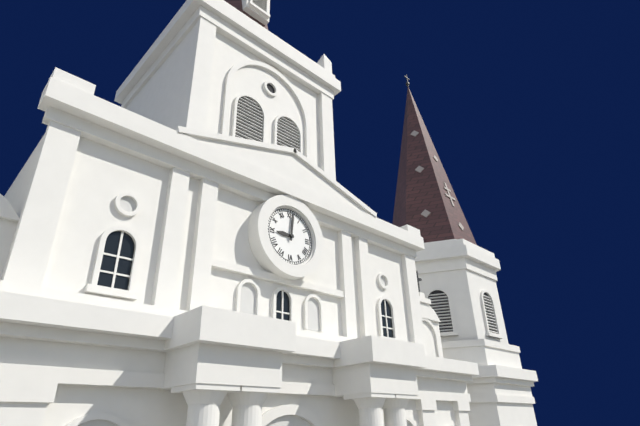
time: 9:01
